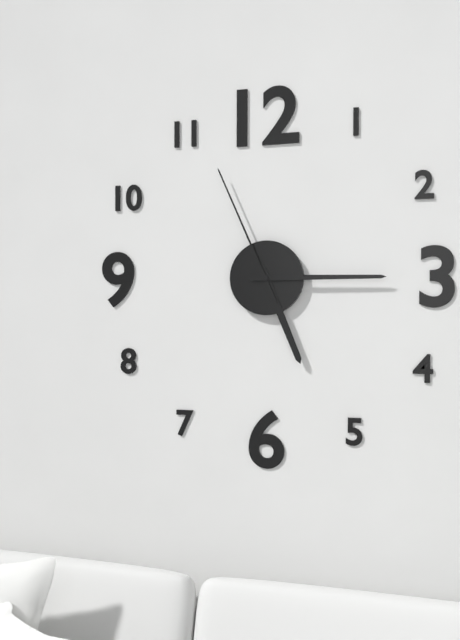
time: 5:15:56
